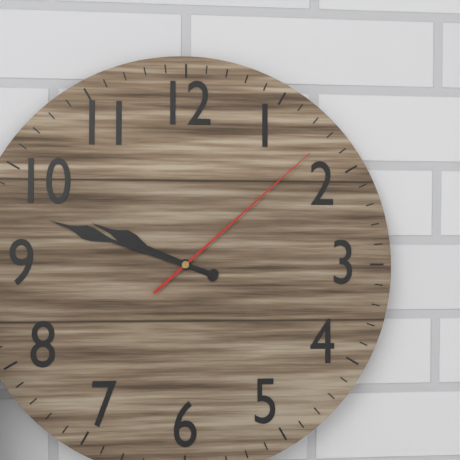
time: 9:48:08
